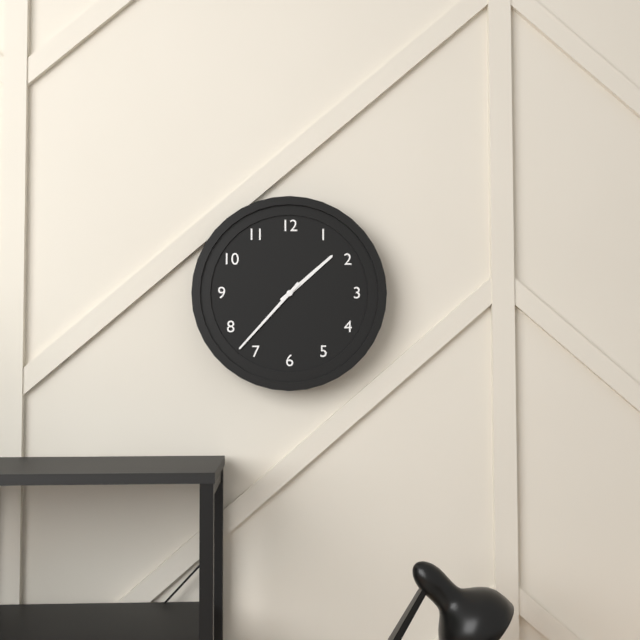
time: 1:37
